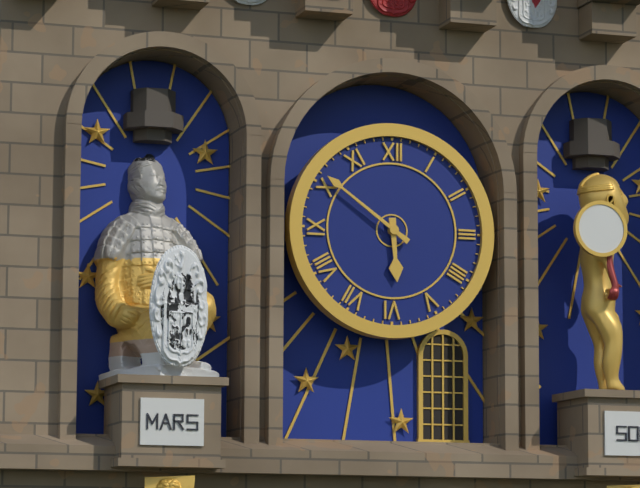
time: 5:51
